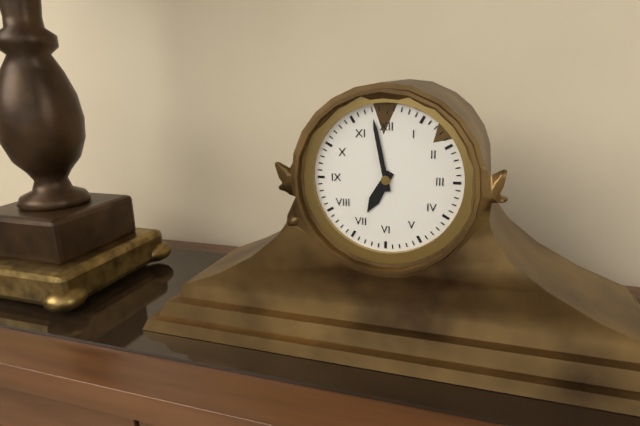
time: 6:58
